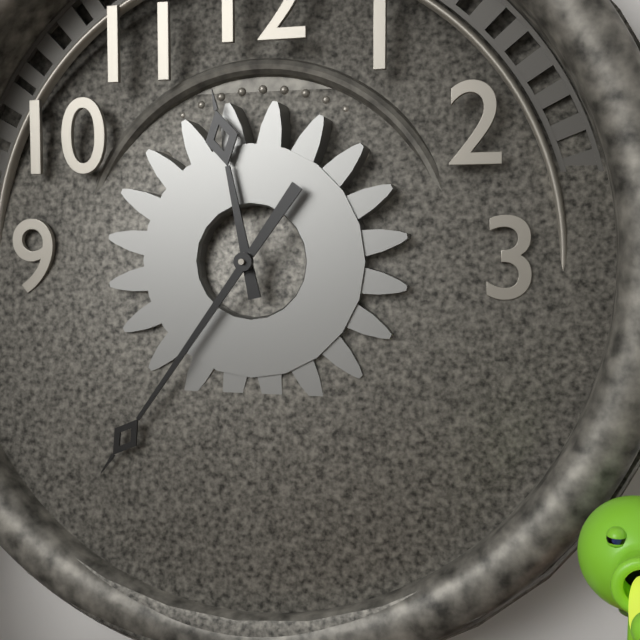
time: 11:36
